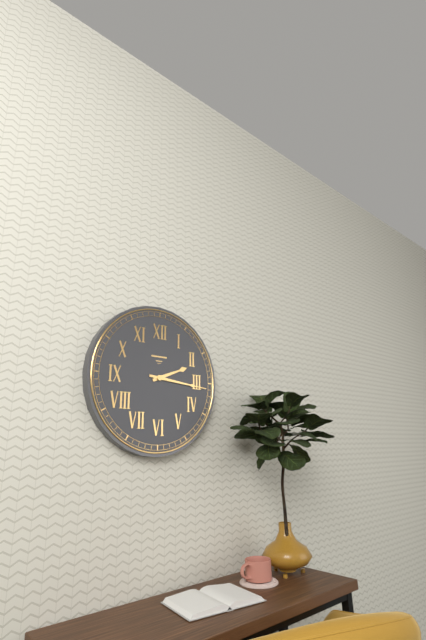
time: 2:16
